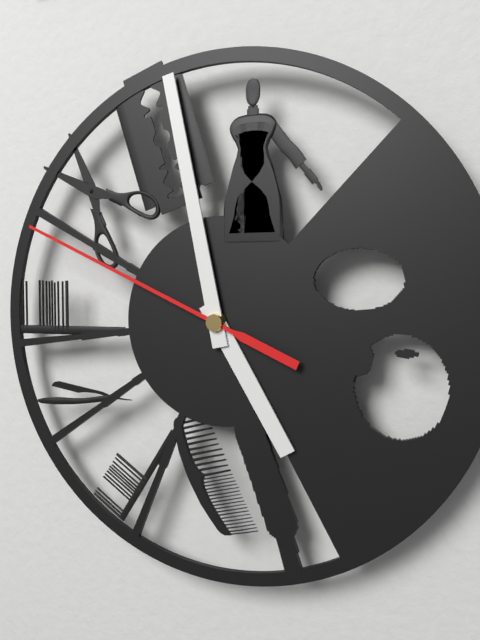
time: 4:58:49
